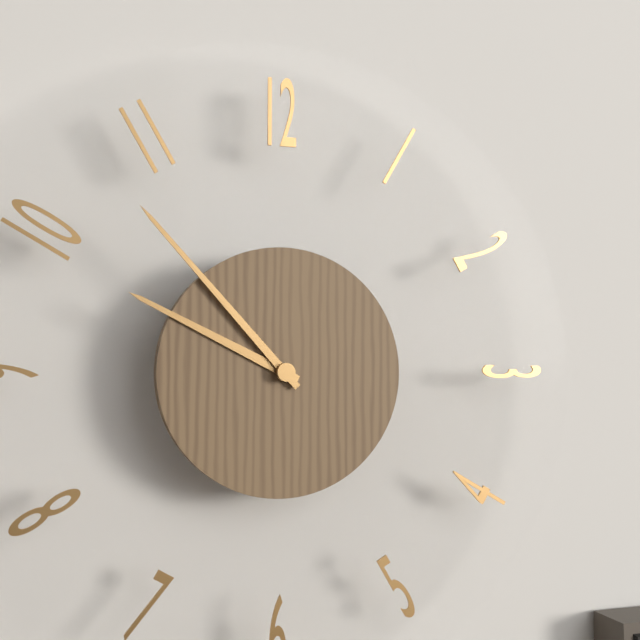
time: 9:53
